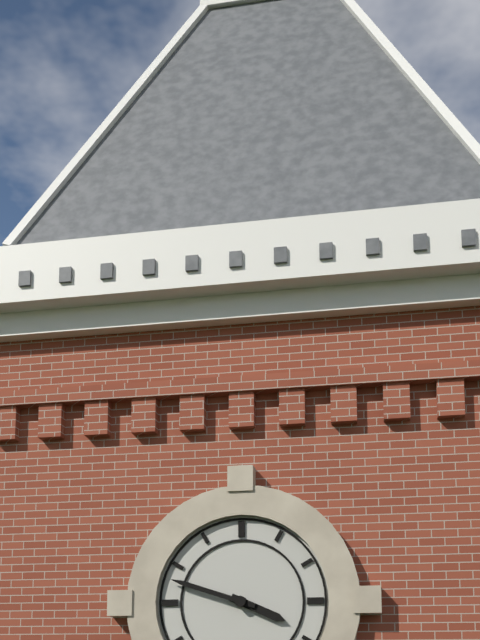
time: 3:48
